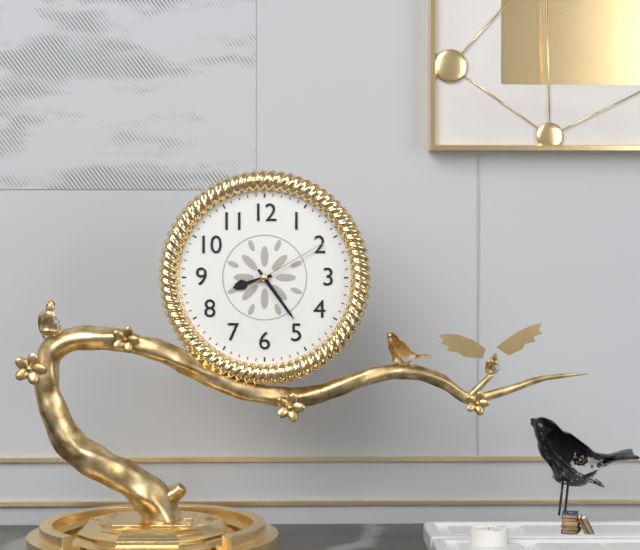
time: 8:24:10
